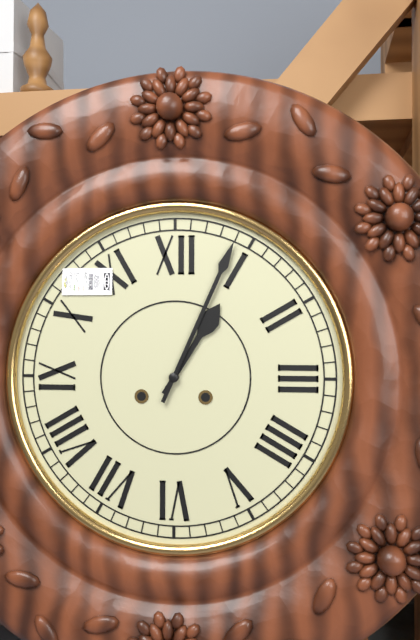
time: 1:04
